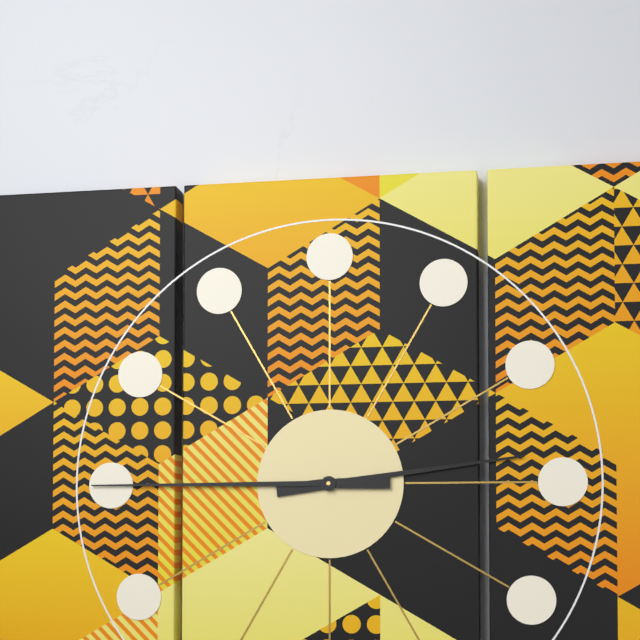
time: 2:45
